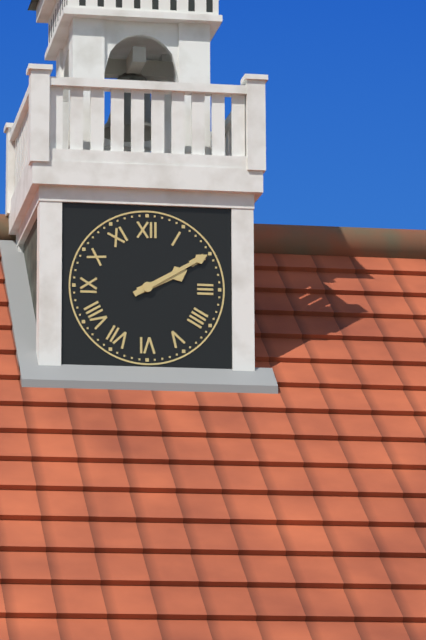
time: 2:10
